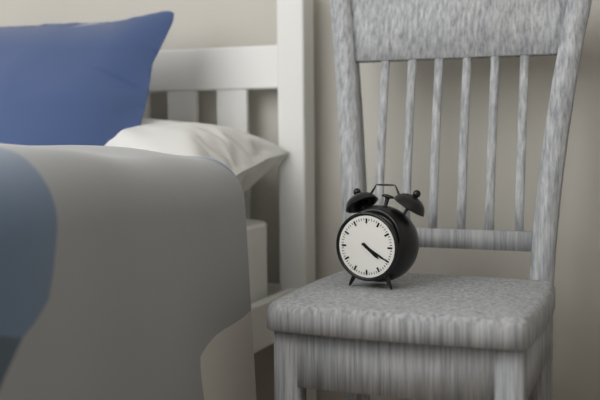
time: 4:20
